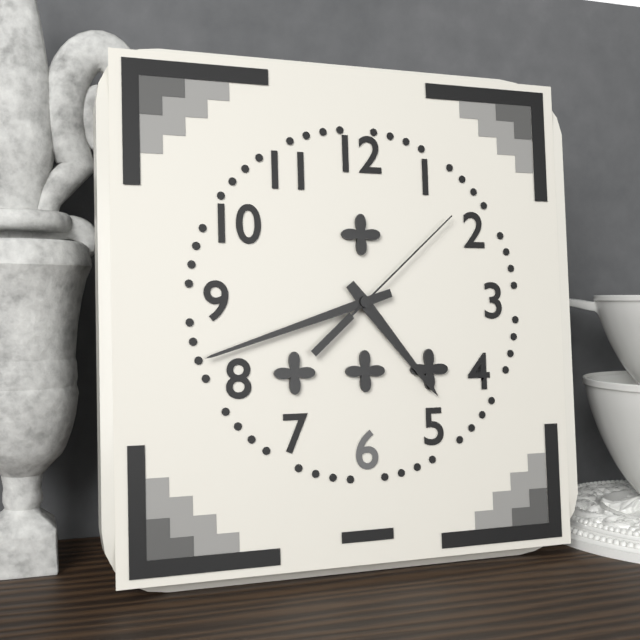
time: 4:42:08
